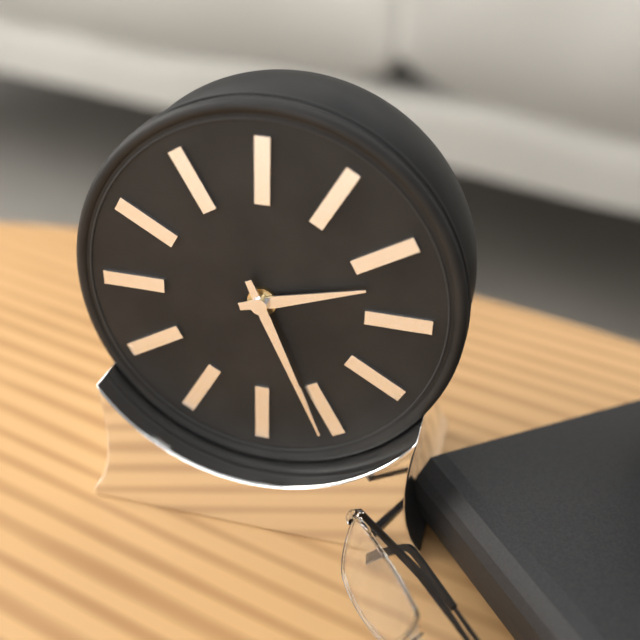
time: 2:26
